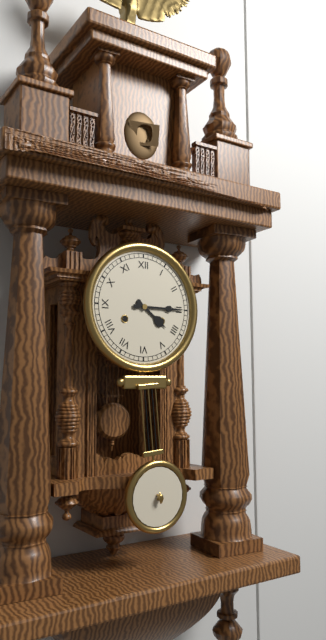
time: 4:15
